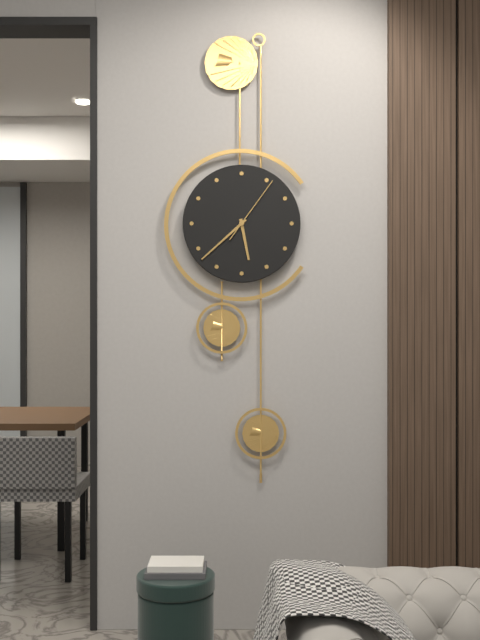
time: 5:38:06
